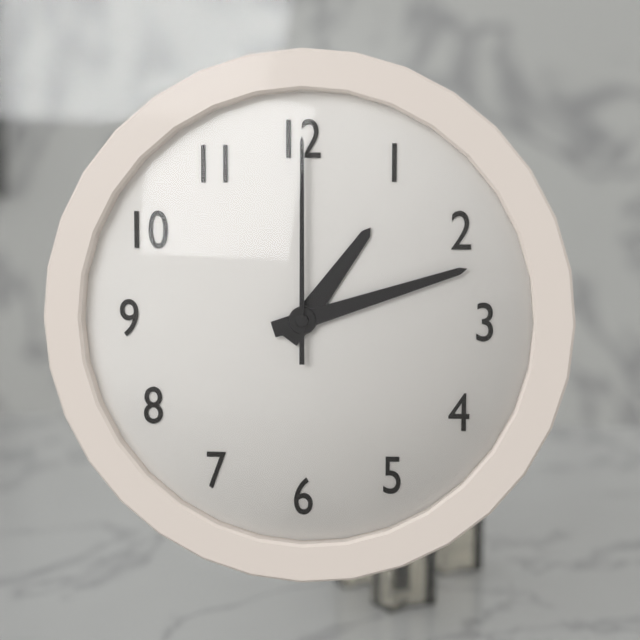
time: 1:12:00
